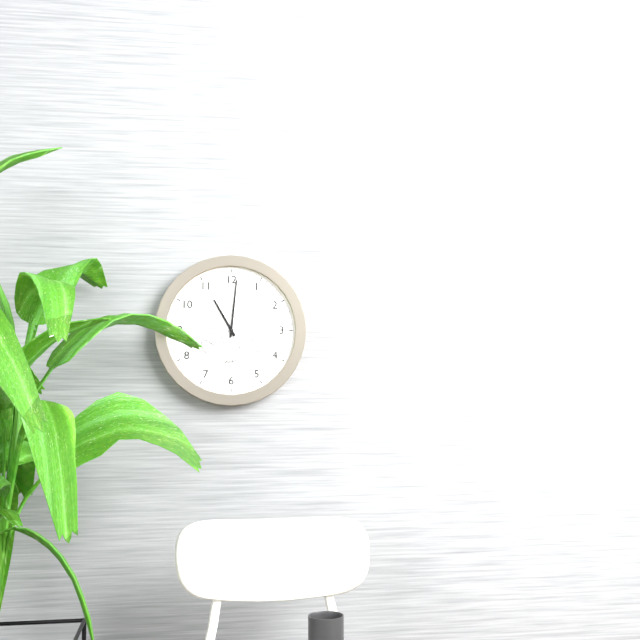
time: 11:01:13
